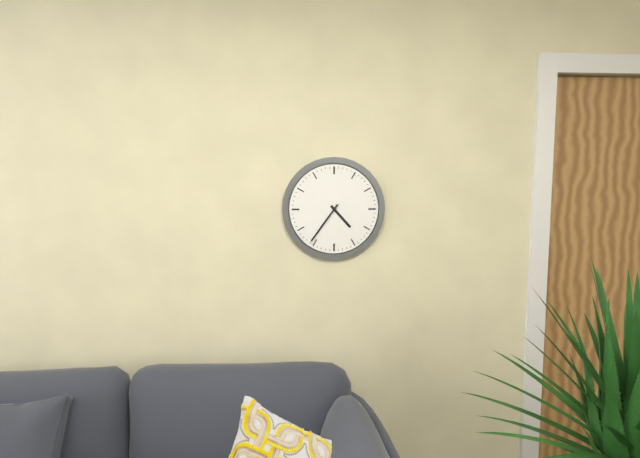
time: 4:36
